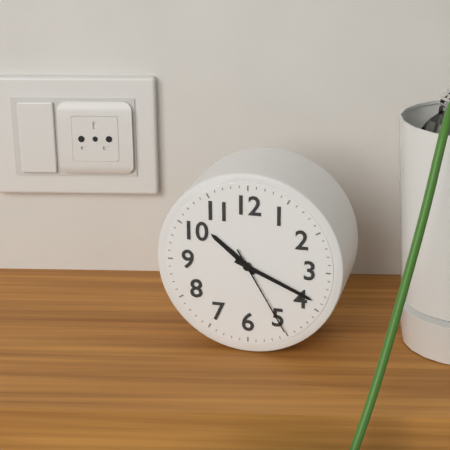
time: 10:19:25
